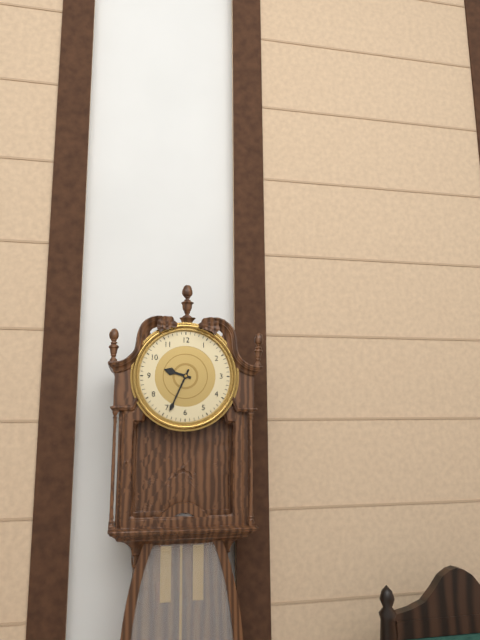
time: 9:34
